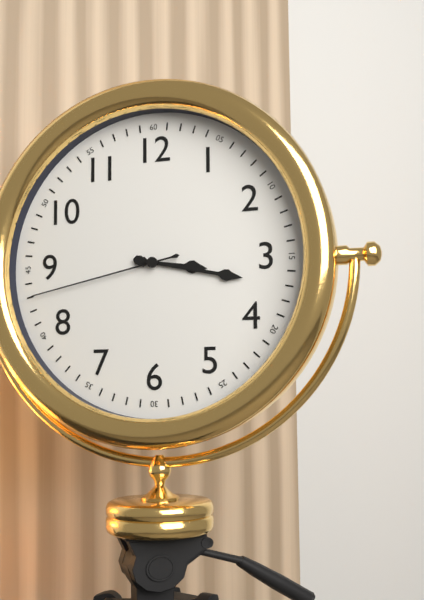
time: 3:17:43
